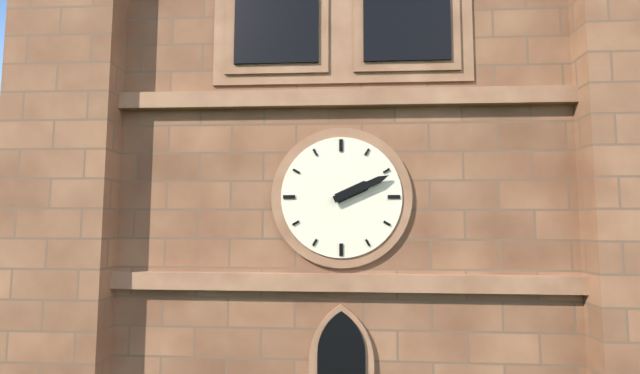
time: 2:11
